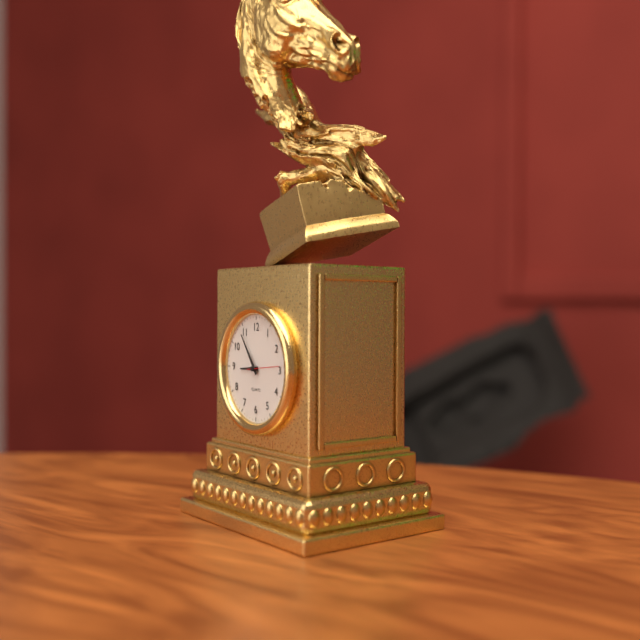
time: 8:54
